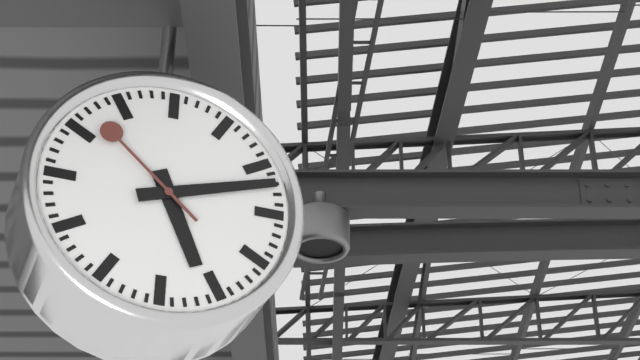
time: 5:12:52
